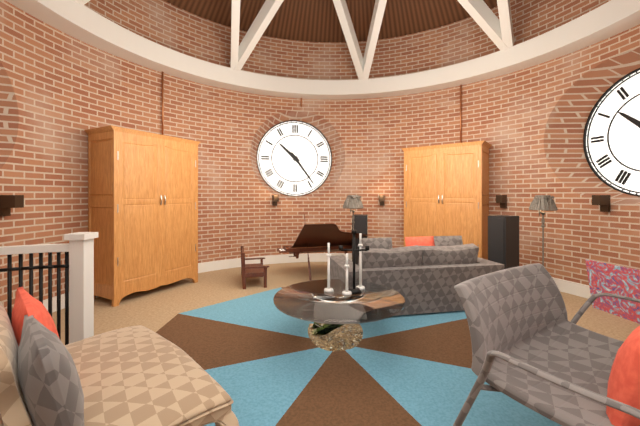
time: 10:24
